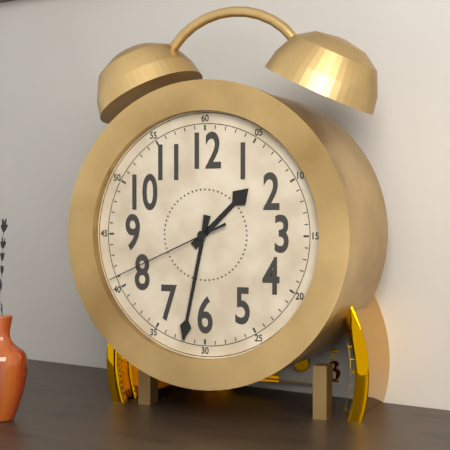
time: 1:32:41
